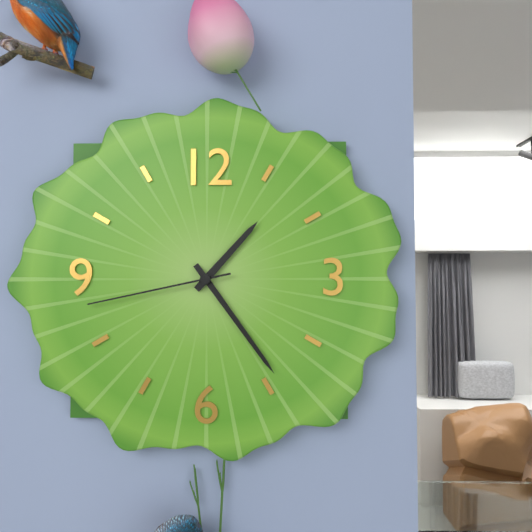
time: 1:24:43
